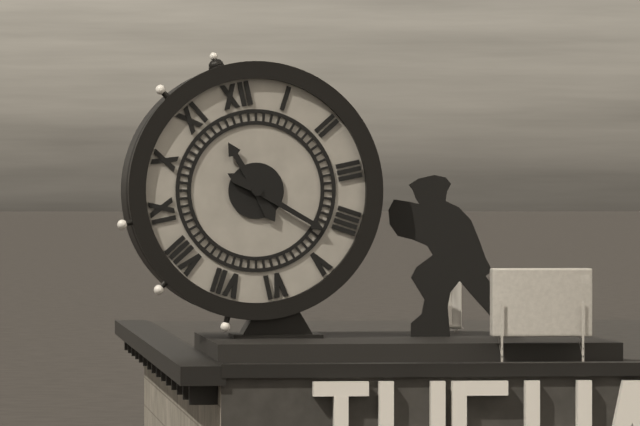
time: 11:22
